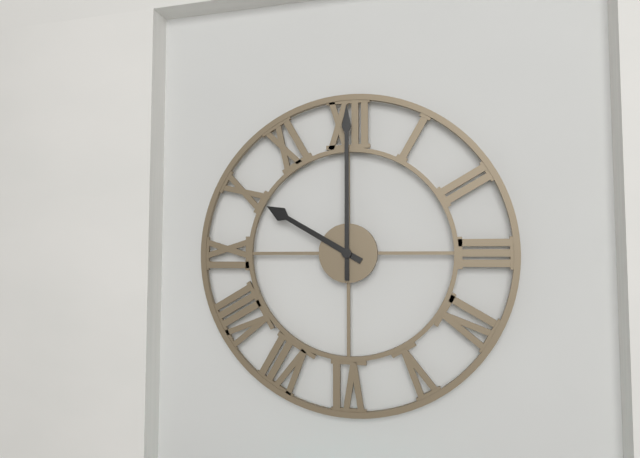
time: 10:00
